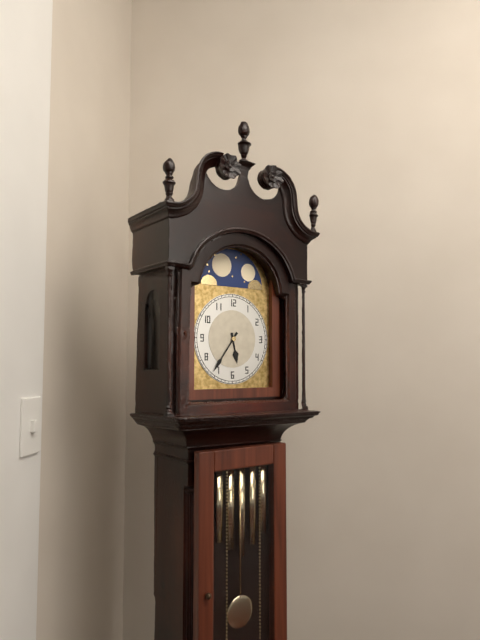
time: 5:36
